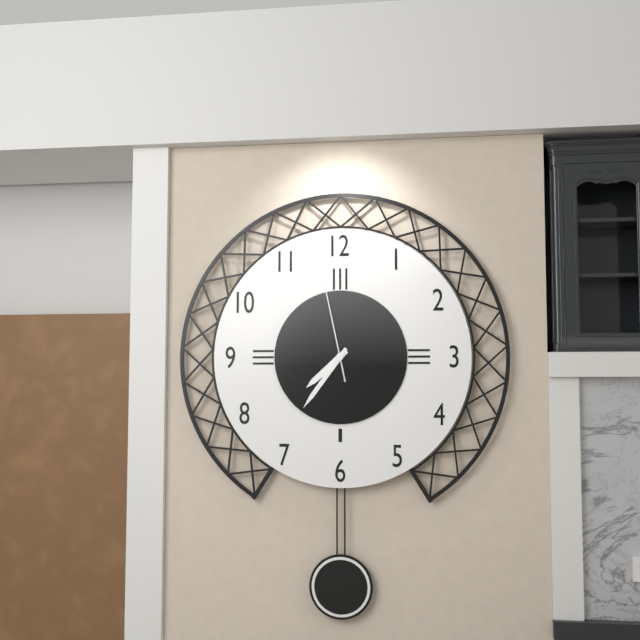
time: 7:36:58
